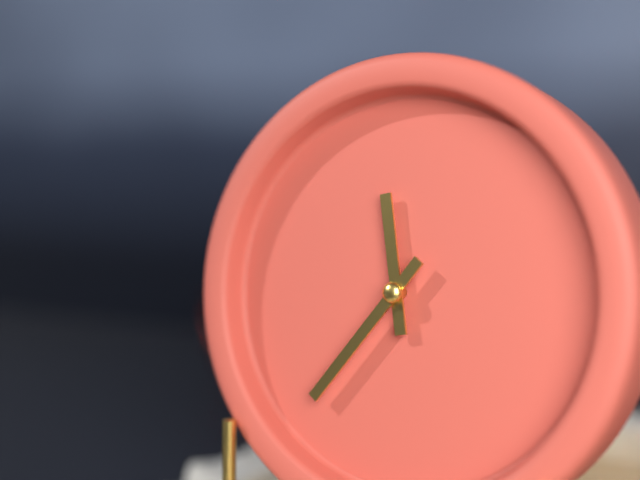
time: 11:36
